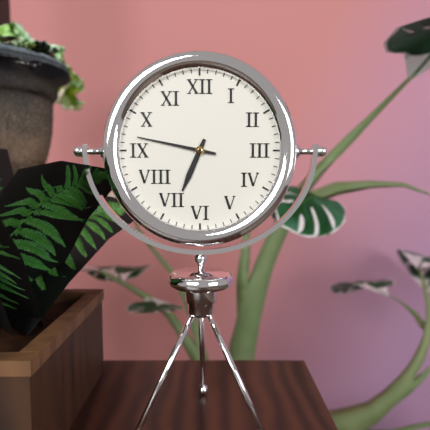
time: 6:47
